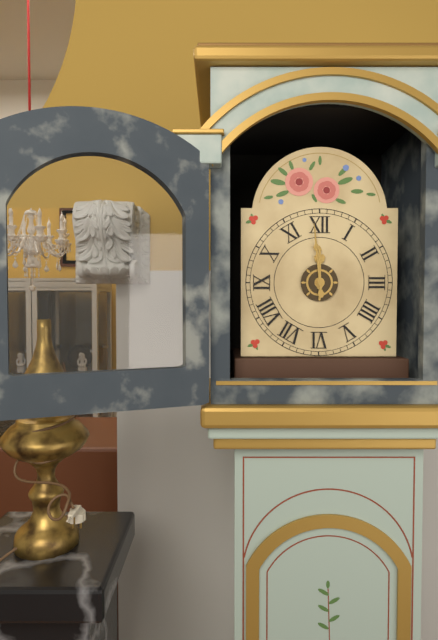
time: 11:59
